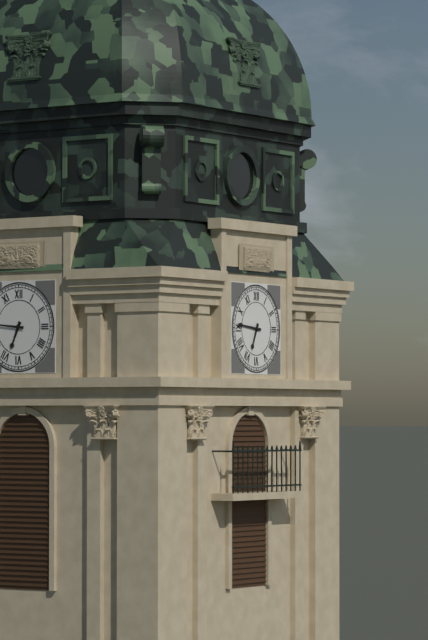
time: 6:46
